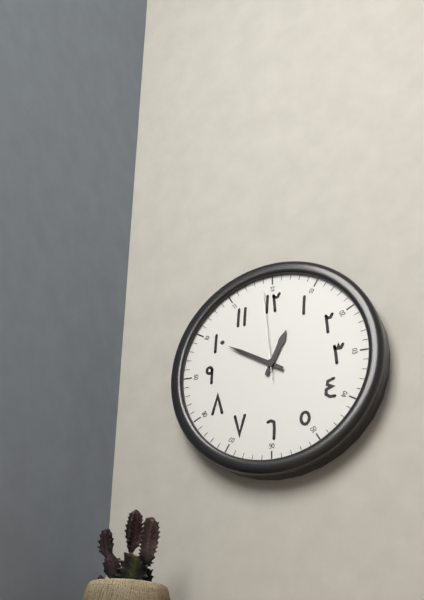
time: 12:50:59
